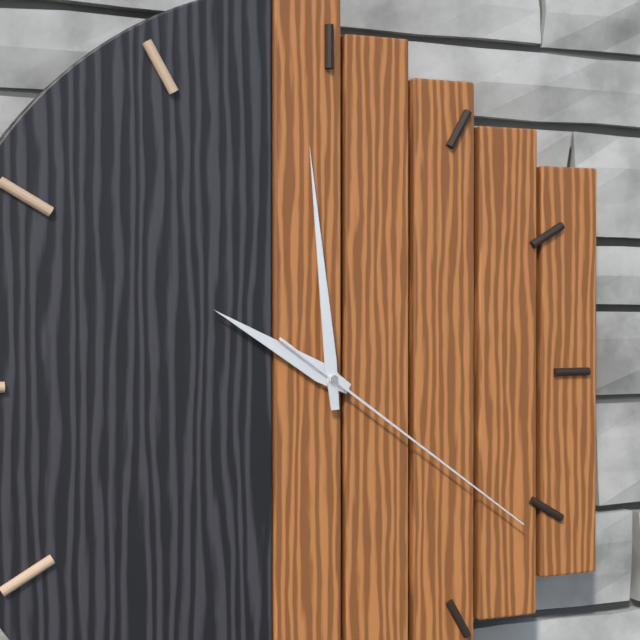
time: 9:59:21
